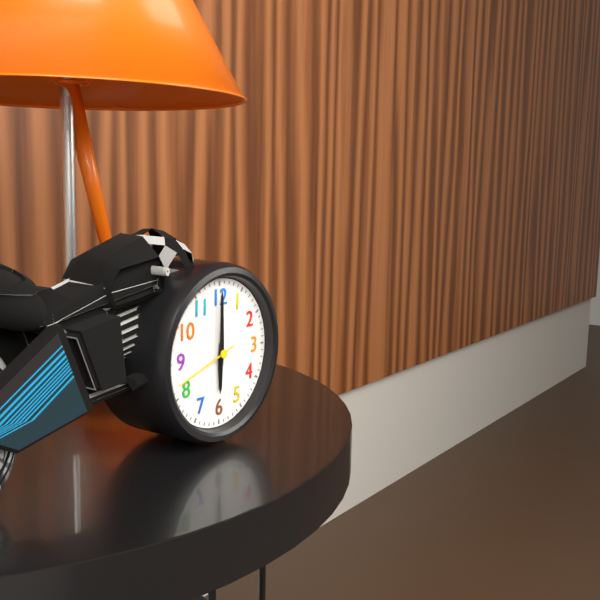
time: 6:00:42
